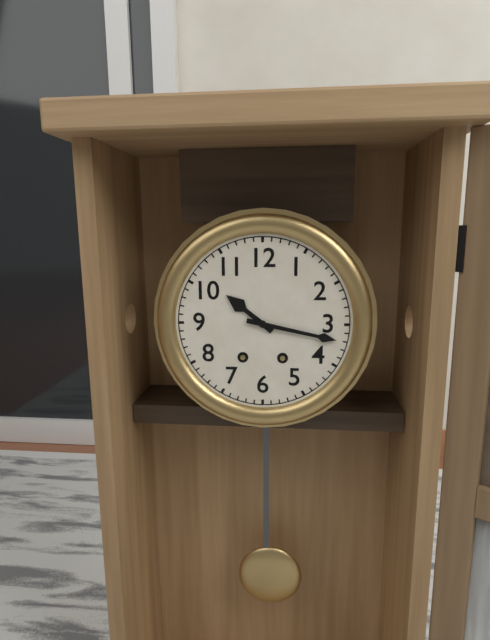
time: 10:17
